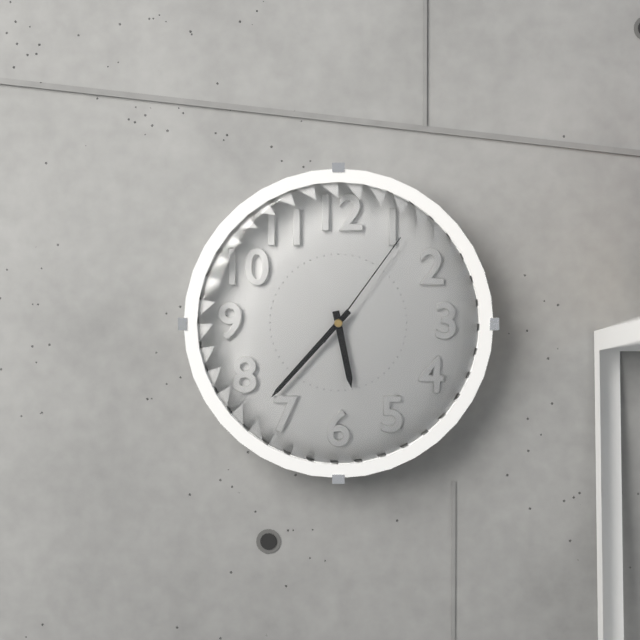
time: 5:37:06
